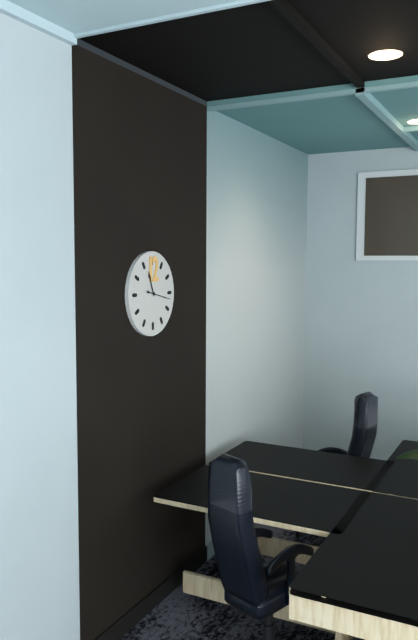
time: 11:17
